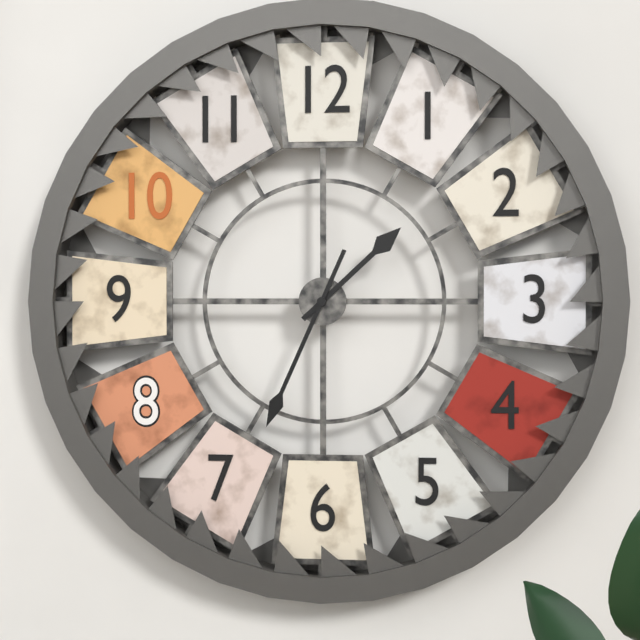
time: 1:34
